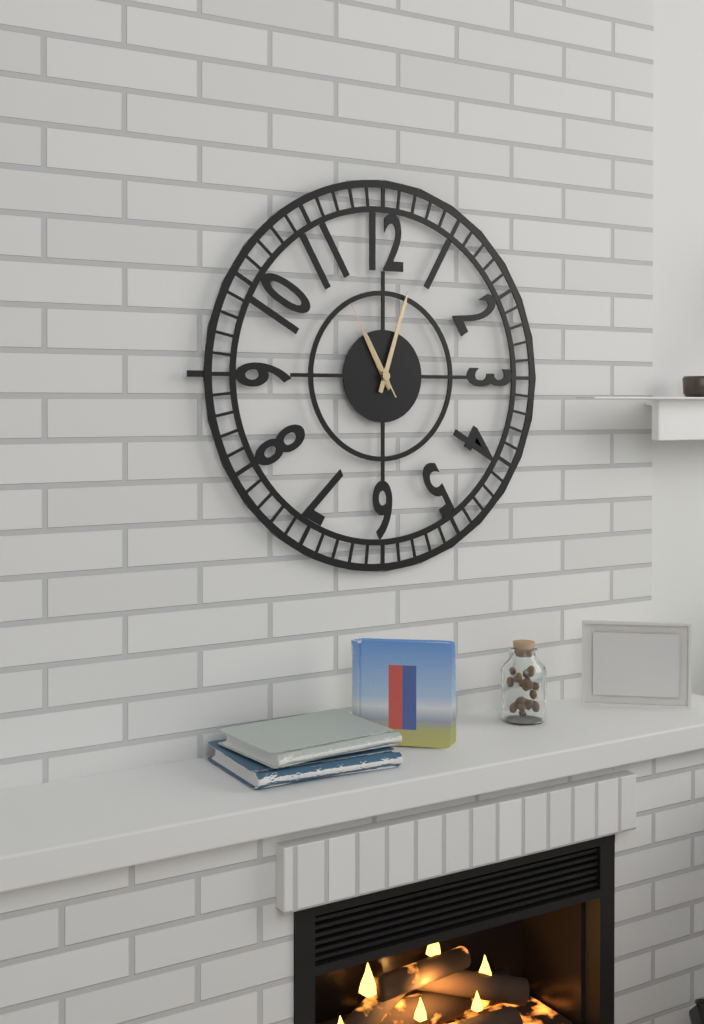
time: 11:03:55
